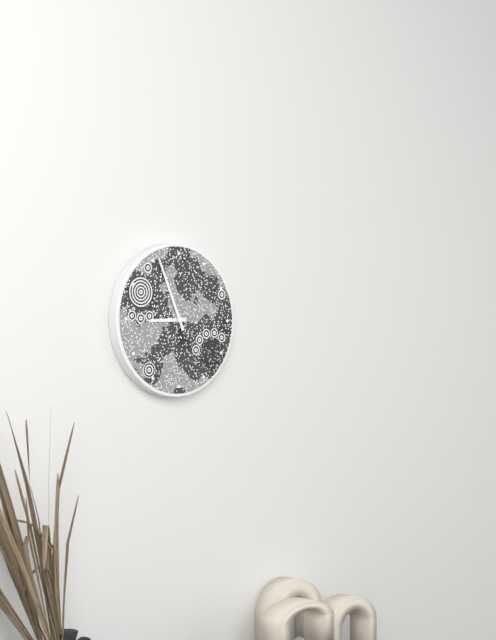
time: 8:56
